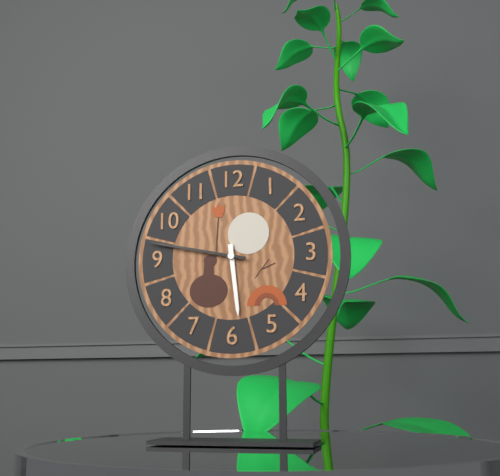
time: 5:47
